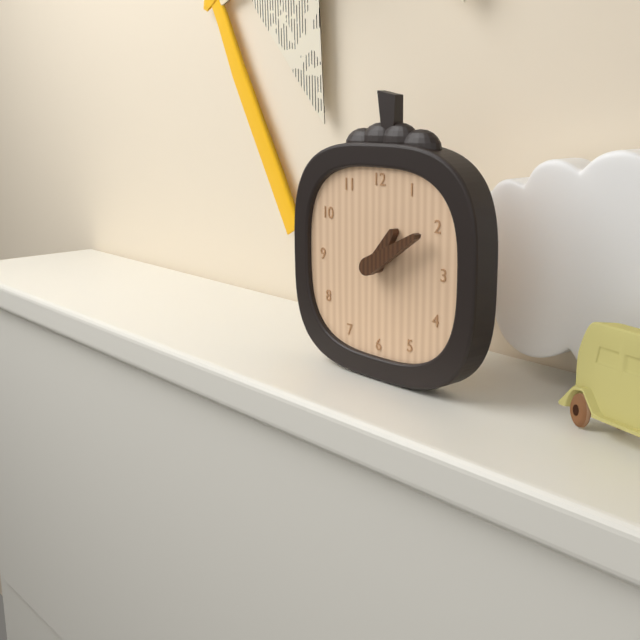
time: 1:10
